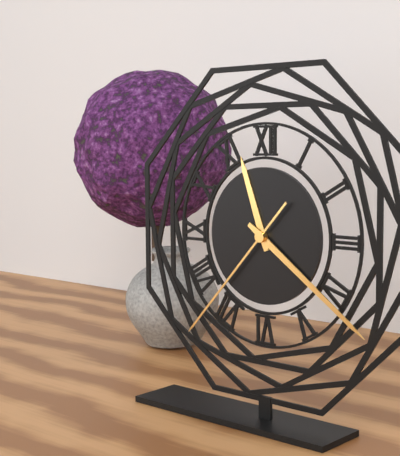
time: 11:21:37
